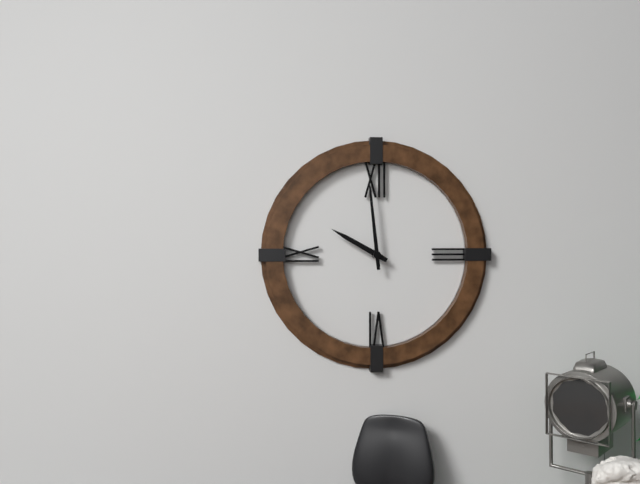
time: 9:59
